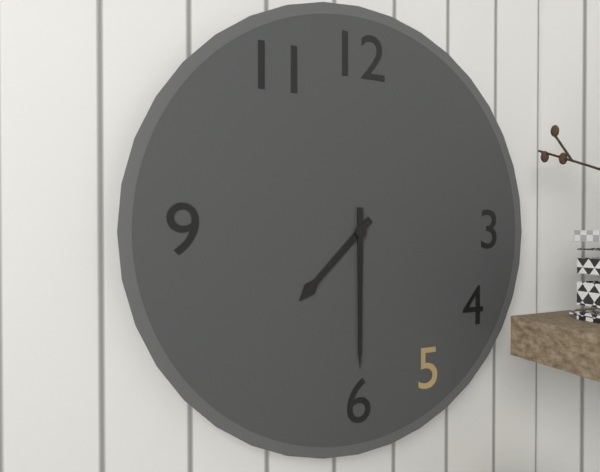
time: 7:30
